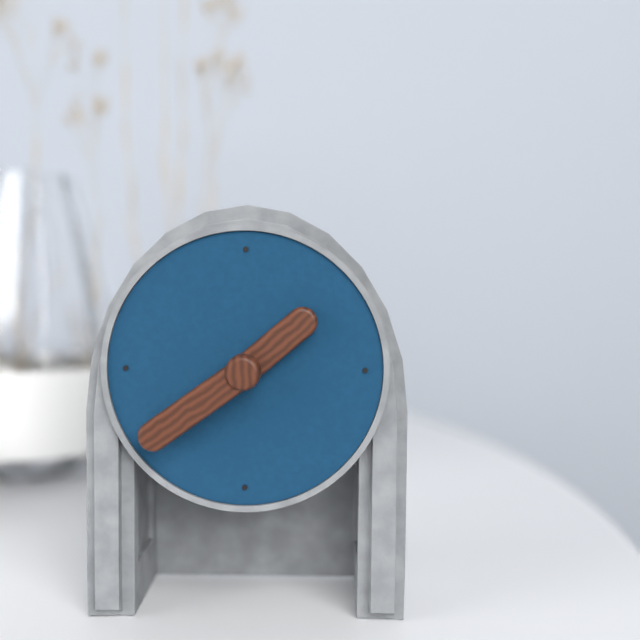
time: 1:39
